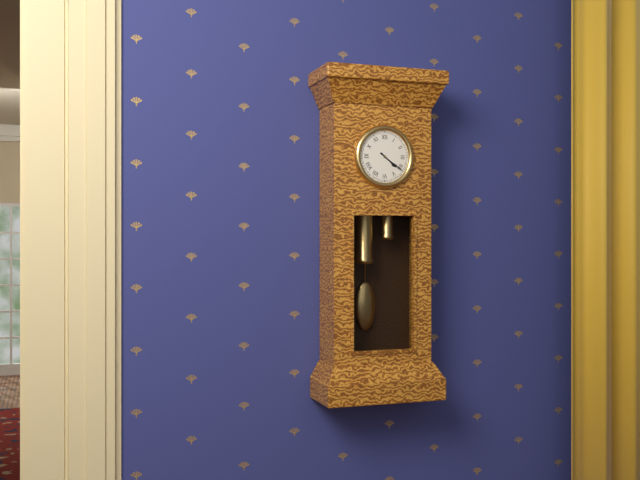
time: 4:21
